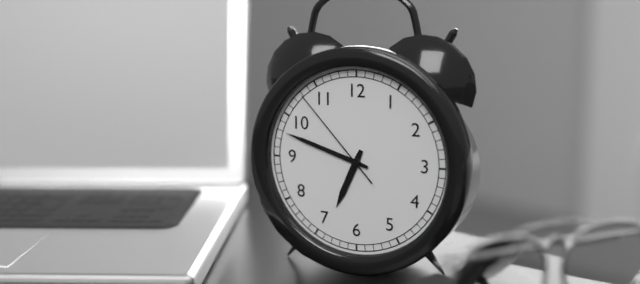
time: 6:48:53
